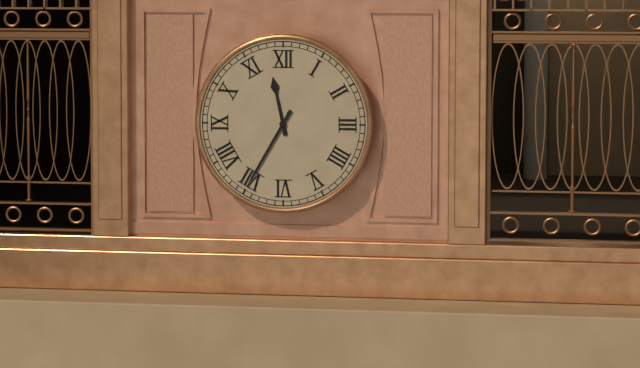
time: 11:35
